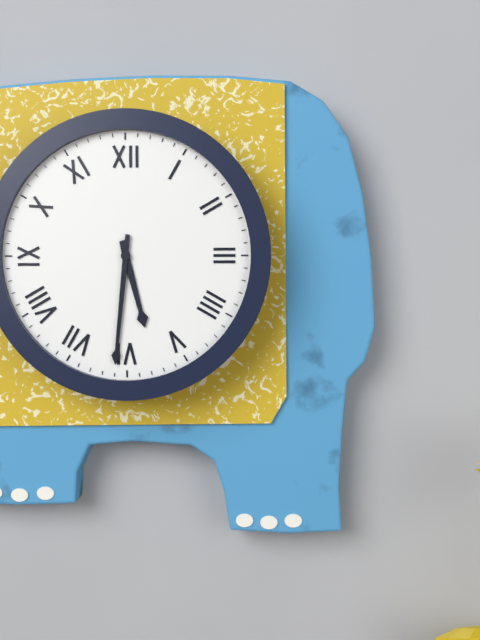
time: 5:31
